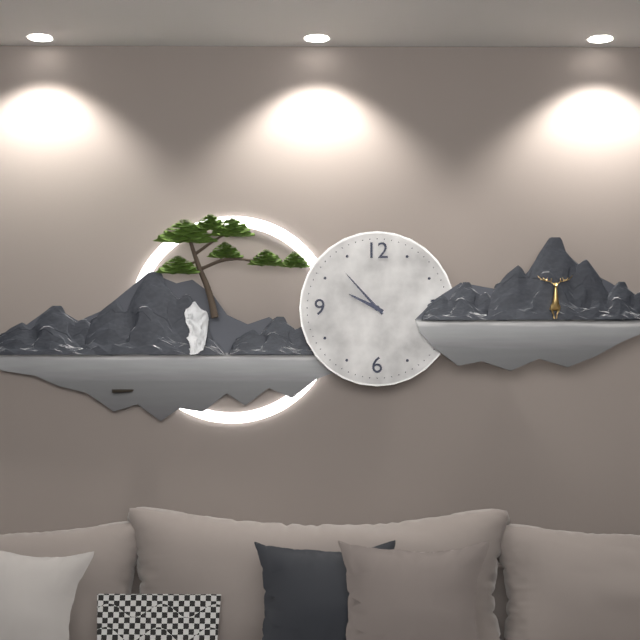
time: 9:53
